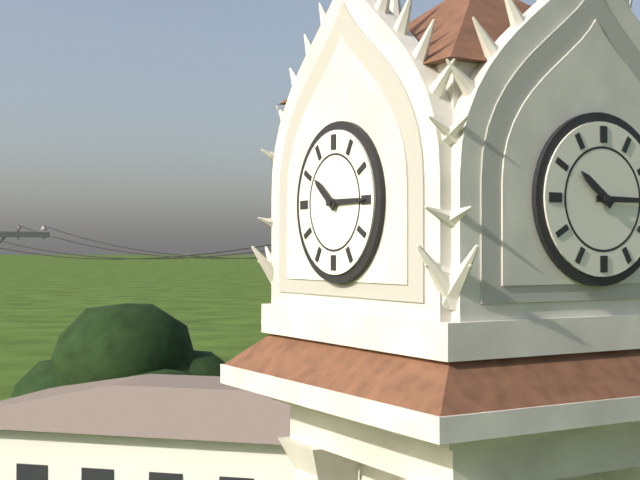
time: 10:15
